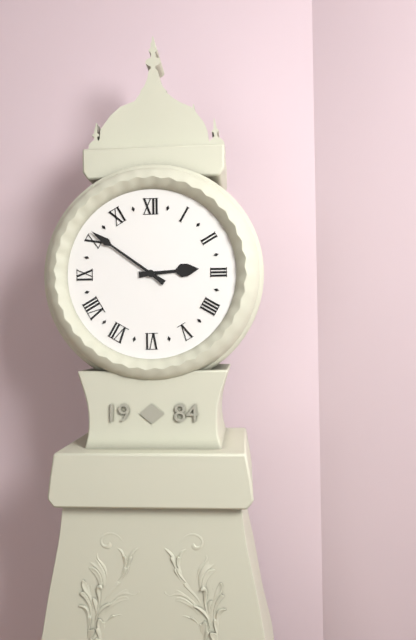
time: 2:51
